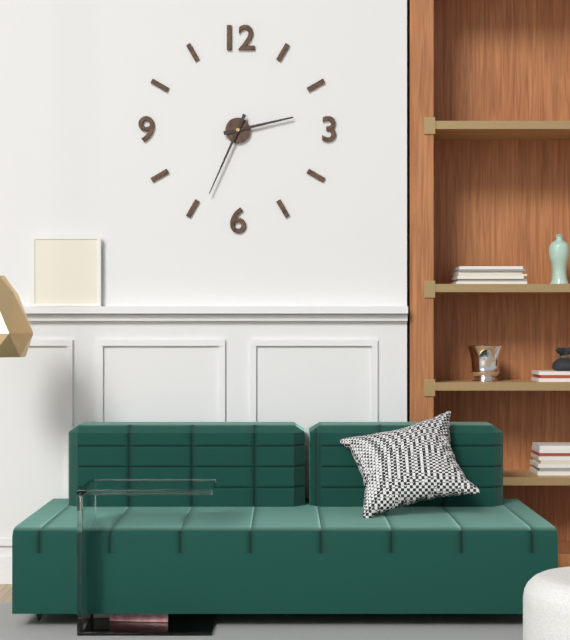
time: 2:34
